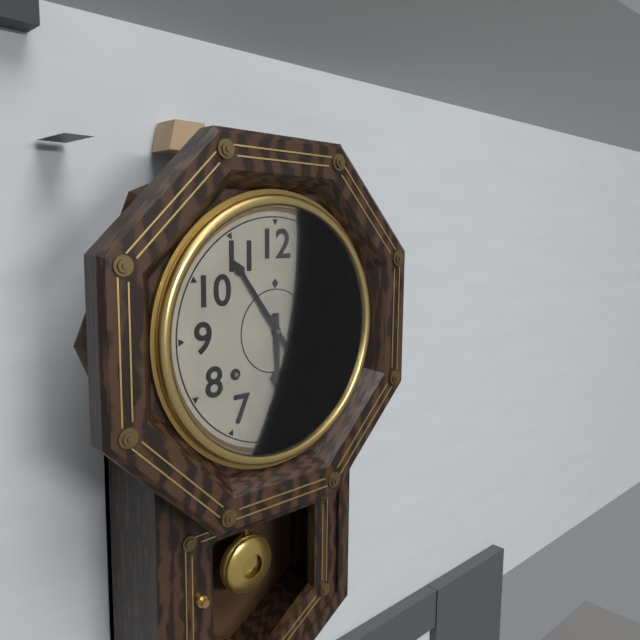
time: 5:54
